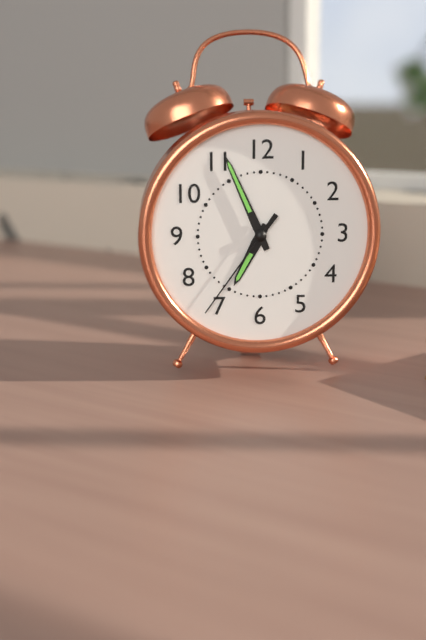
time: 6:56:36
